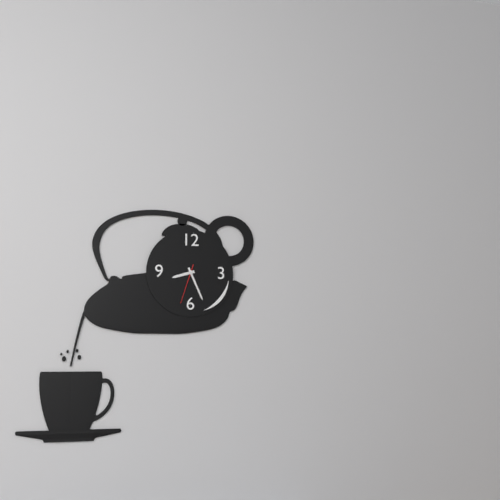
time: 8:26
